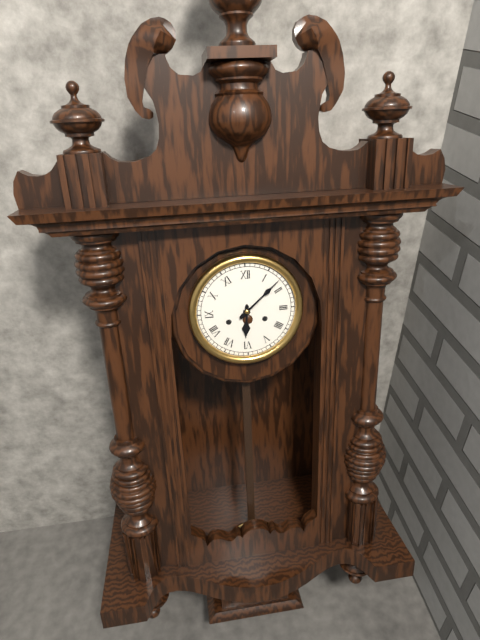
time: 6:08
